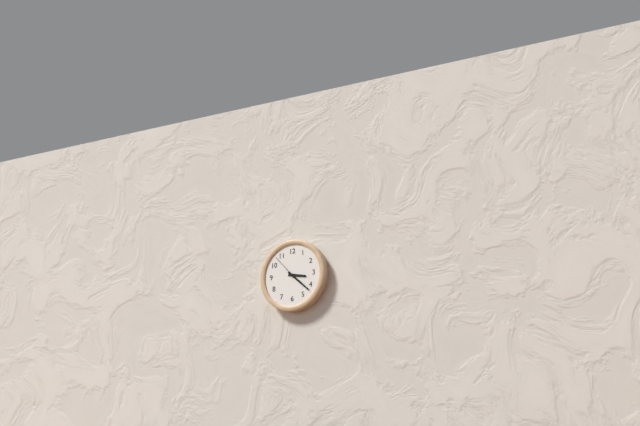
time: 3:22
